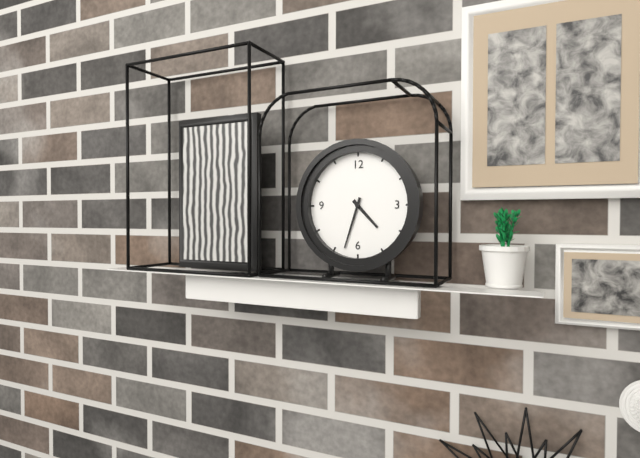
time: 4:33
